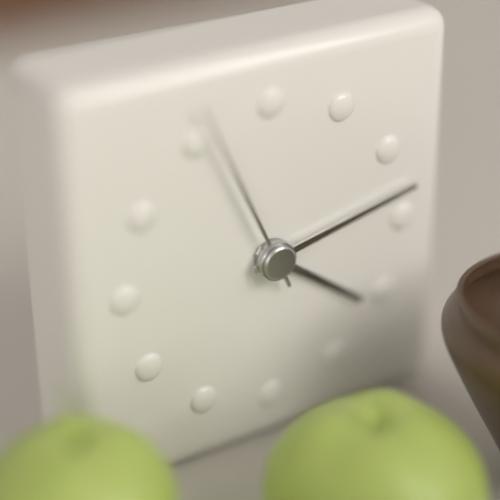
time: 4:13:56
